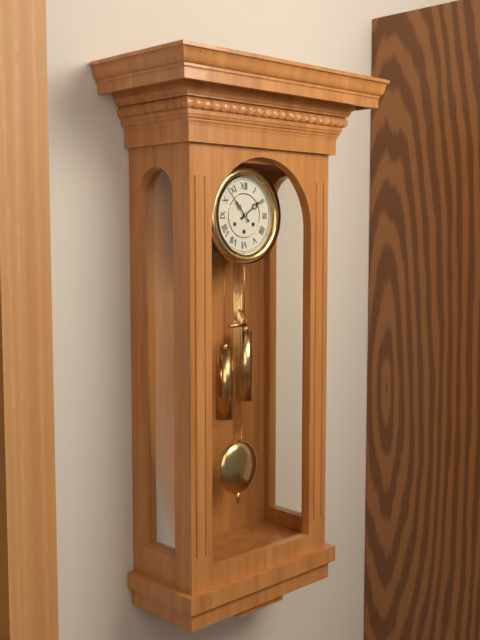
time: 1:53
